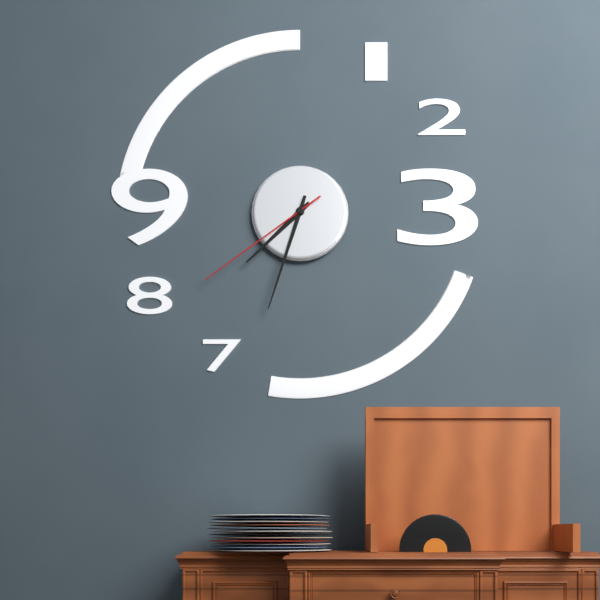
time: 7:33:39
